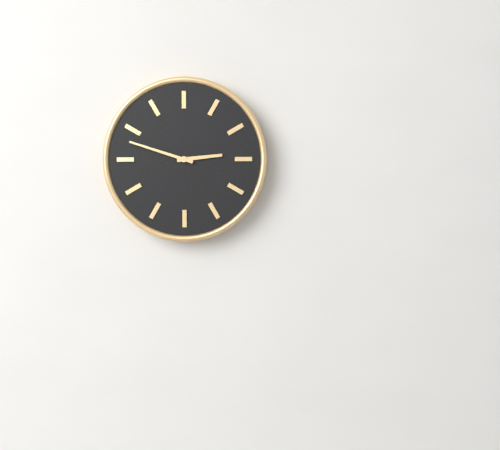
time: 2:48
